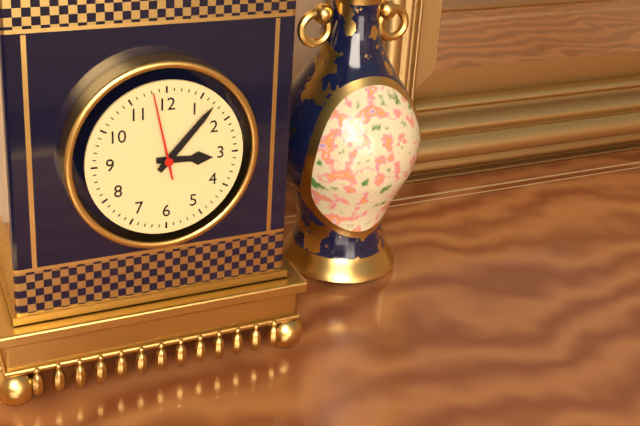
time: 3:07:58
